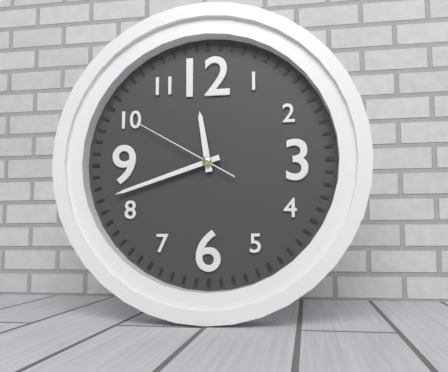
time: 11:42:50
